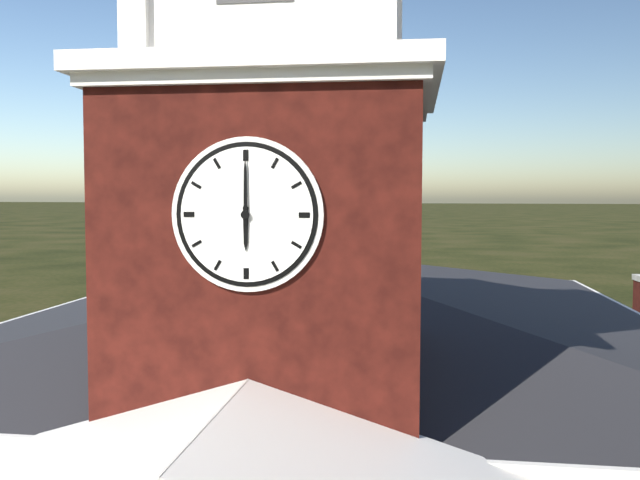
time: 6:00
